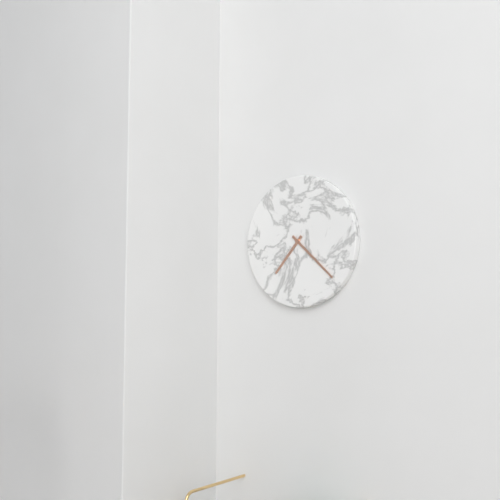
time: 7:22
